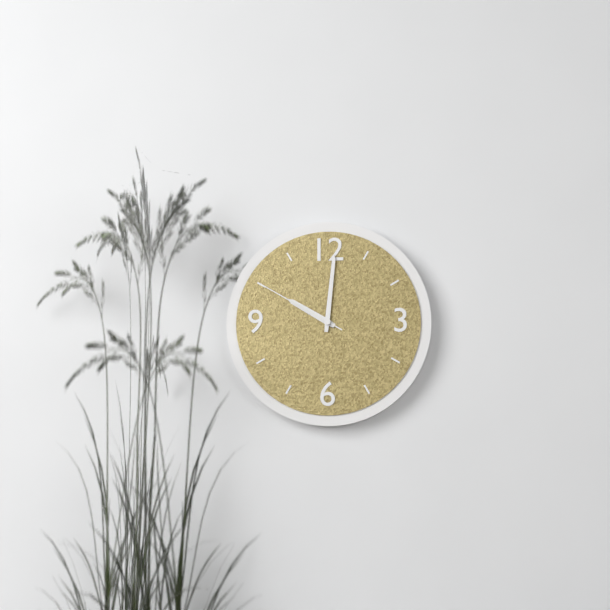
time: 10:01:50
